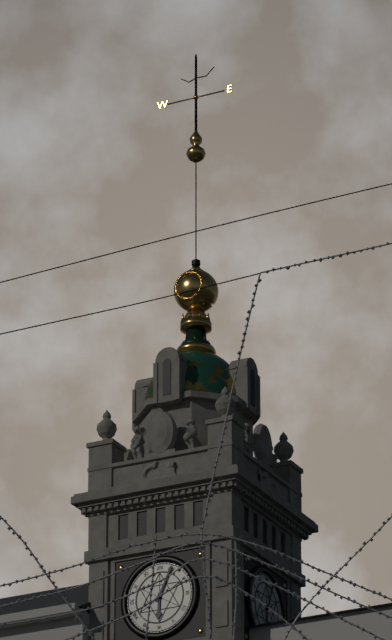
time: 6:04
